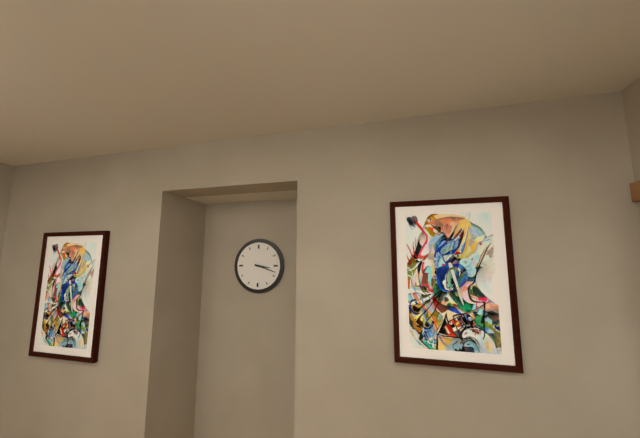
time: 3:18
